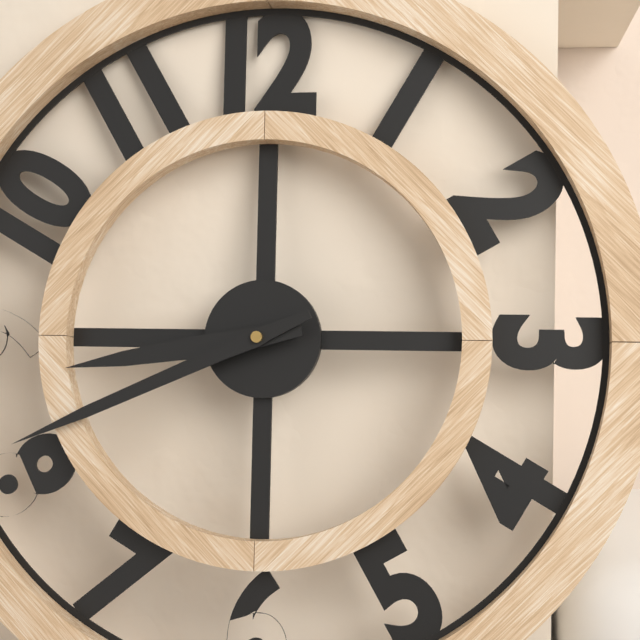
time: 8:41
